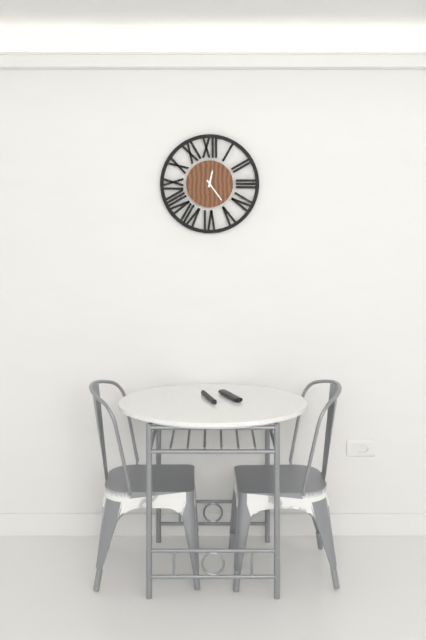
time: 12:24
